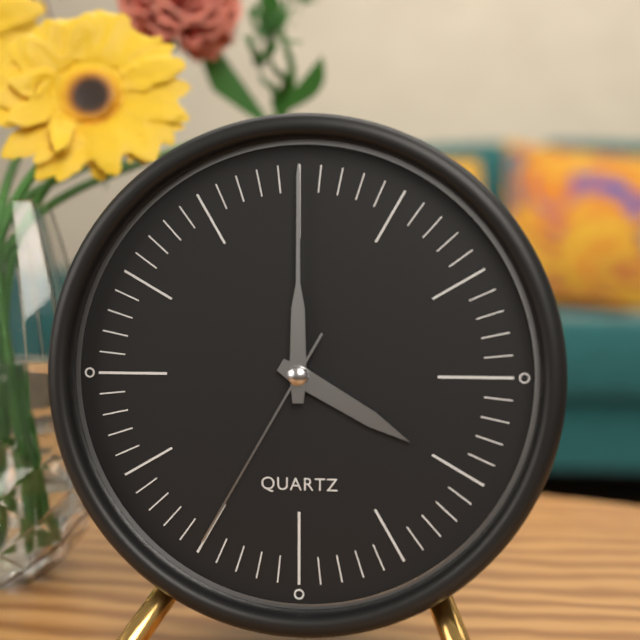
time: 4:00:35
